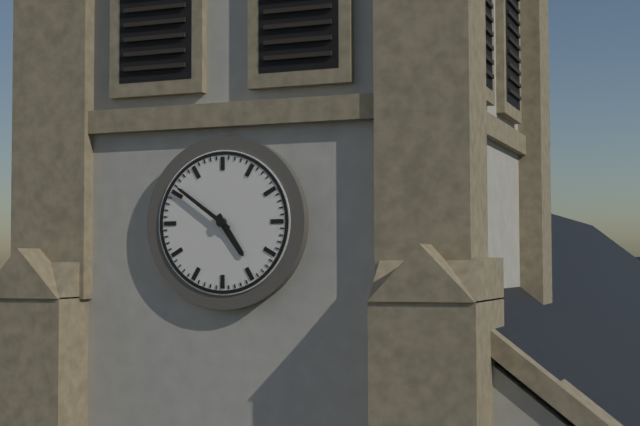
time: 4:51
